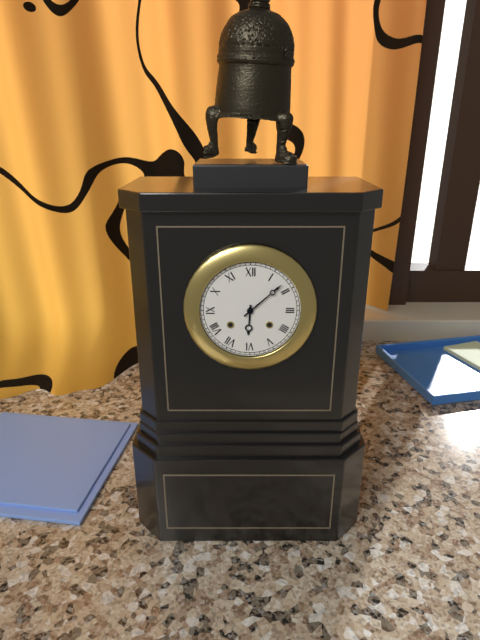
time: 6:08
